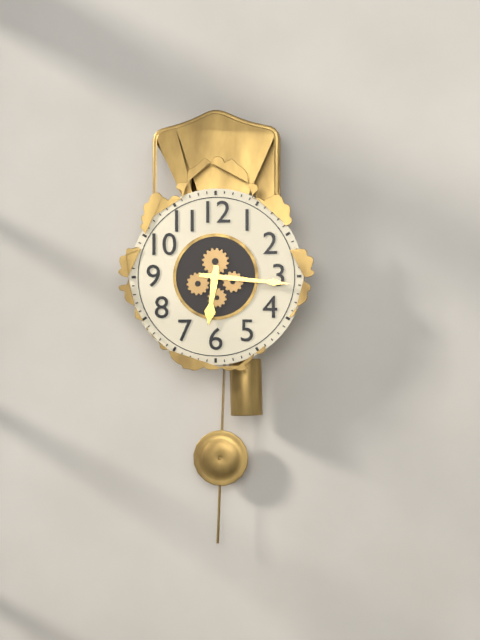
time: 6:16
